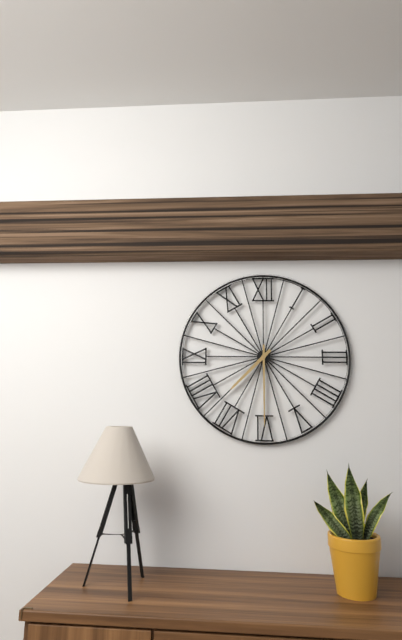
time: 7:30
